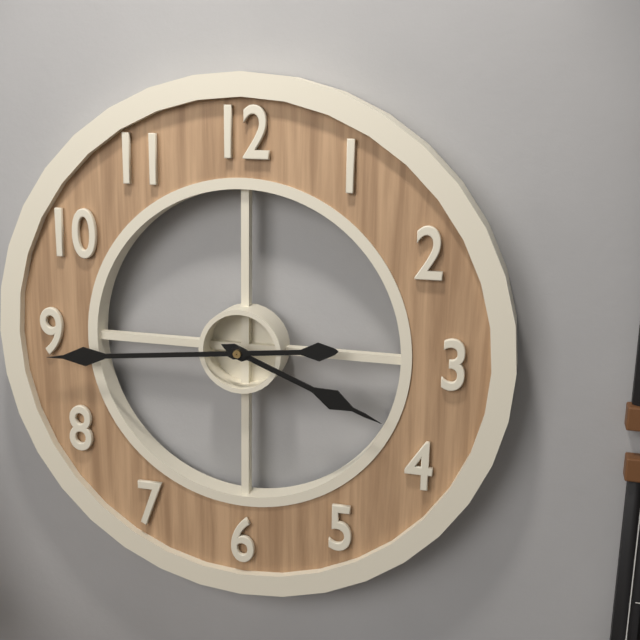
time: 3:44
